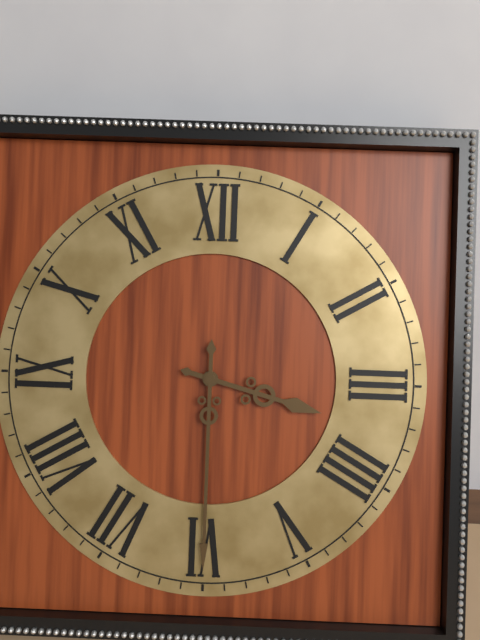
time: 3:30
